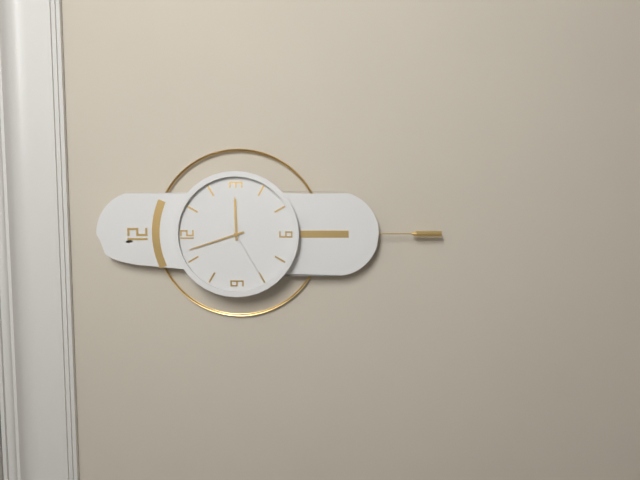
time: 2:57:40
